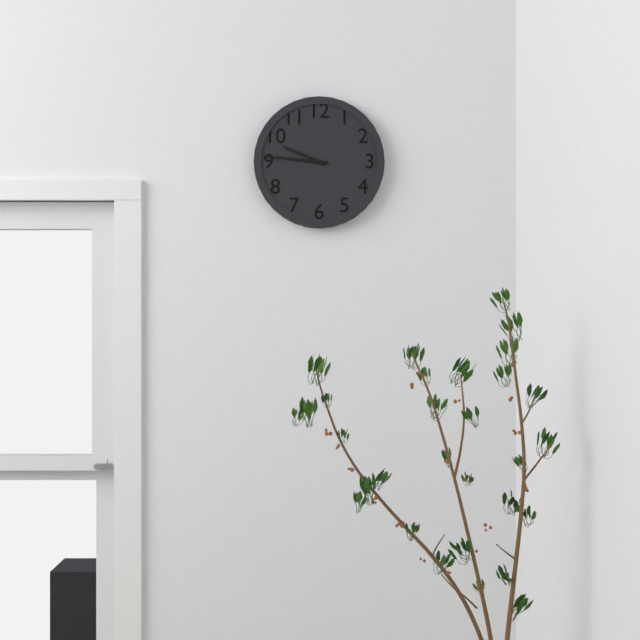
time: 9:46
